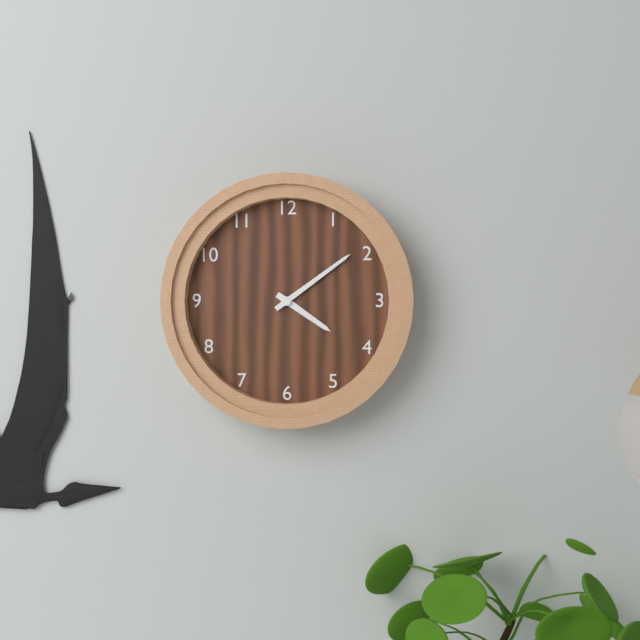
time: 4:09
